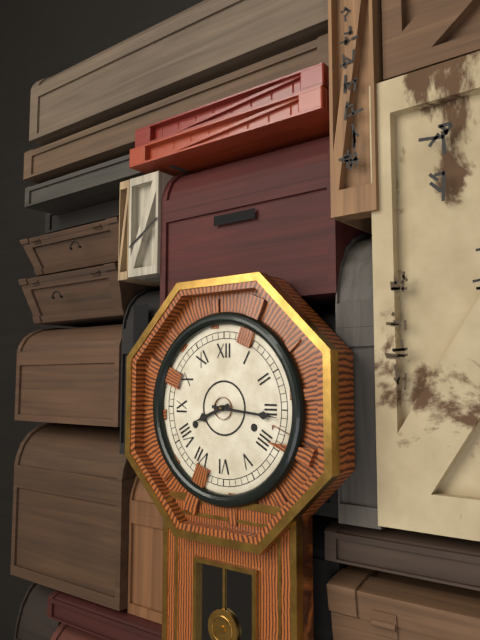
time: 8:16
